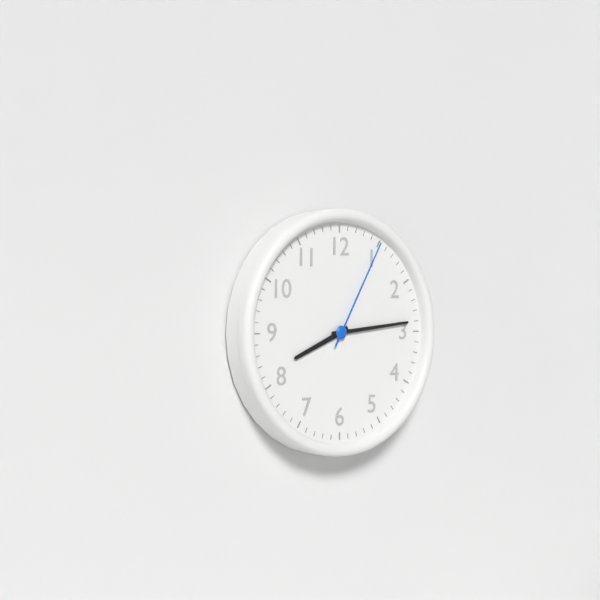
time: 8:14:05
